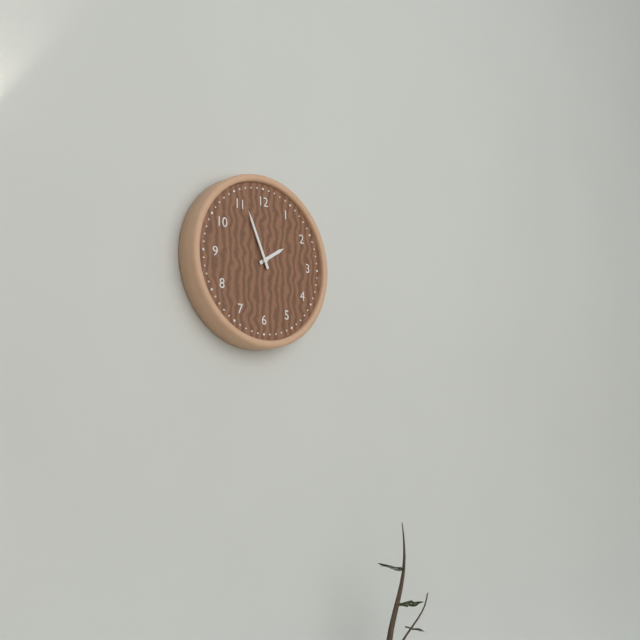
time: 1:56
